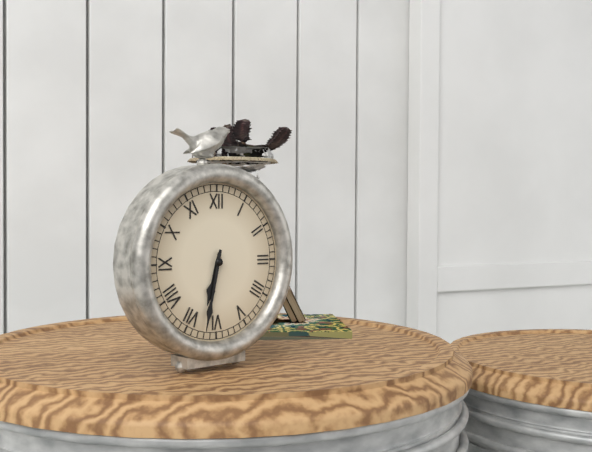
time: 6:32
